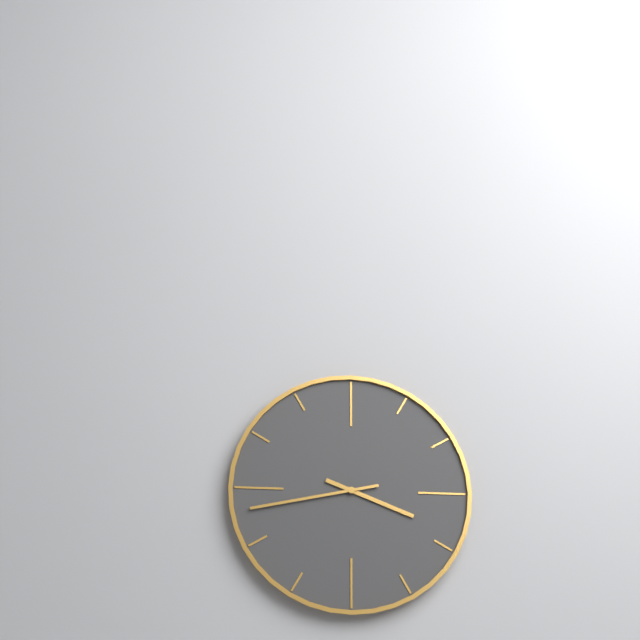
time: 3:43
